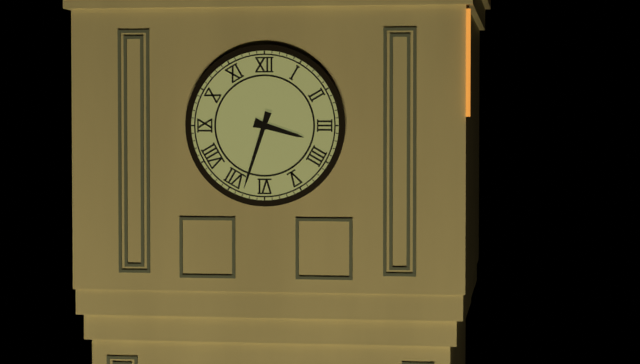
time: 3:33
